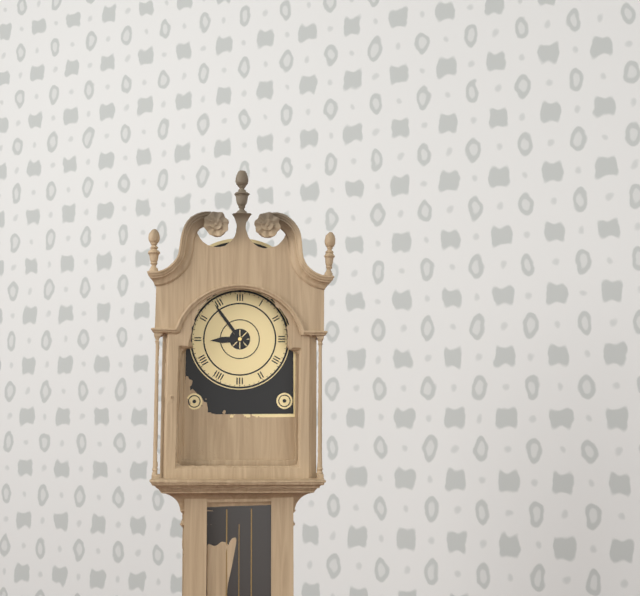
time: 8:54
